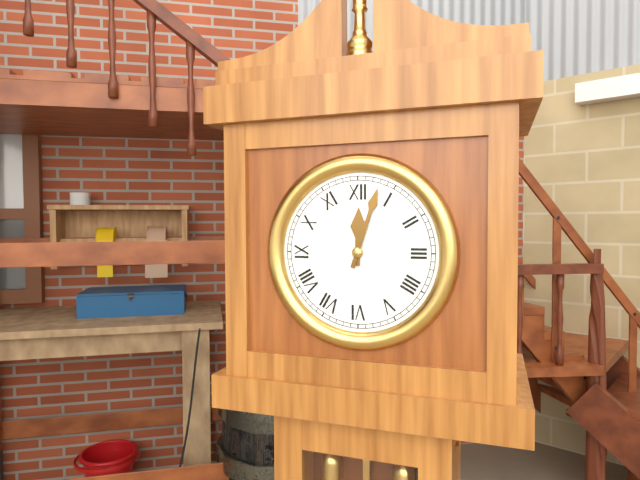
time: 12:03
